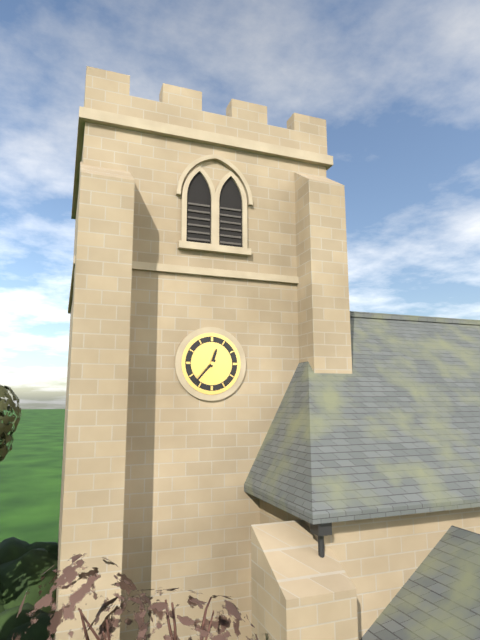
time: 12:37
